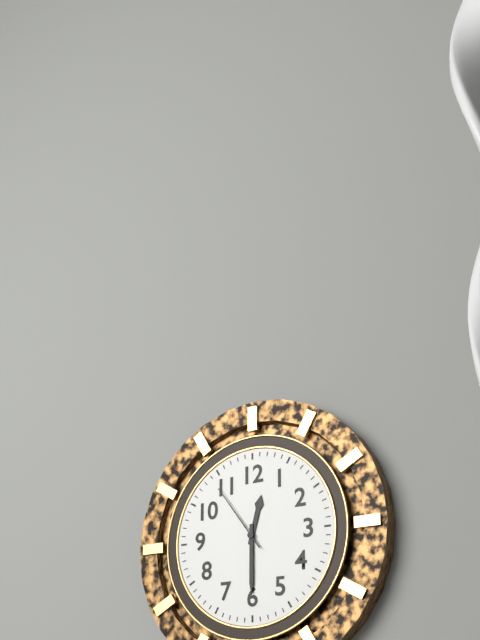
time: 12:30:54
